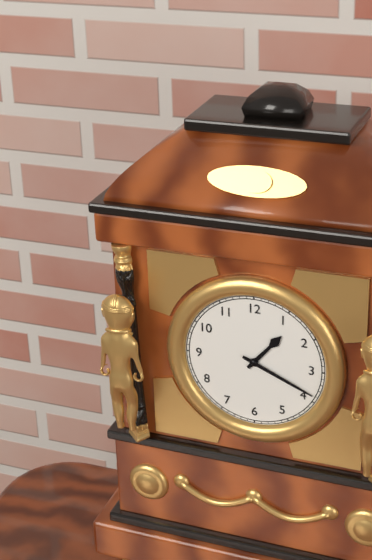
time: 1:19
